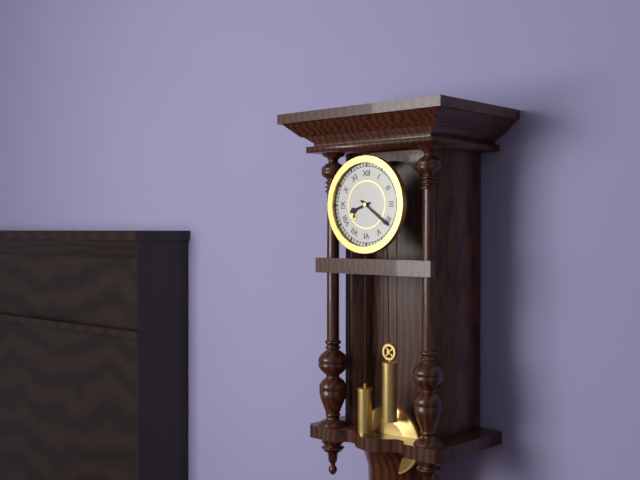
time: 8:21
